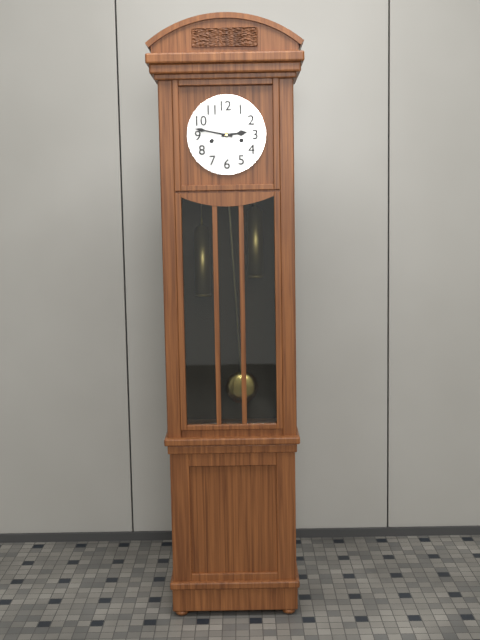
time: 2:47
